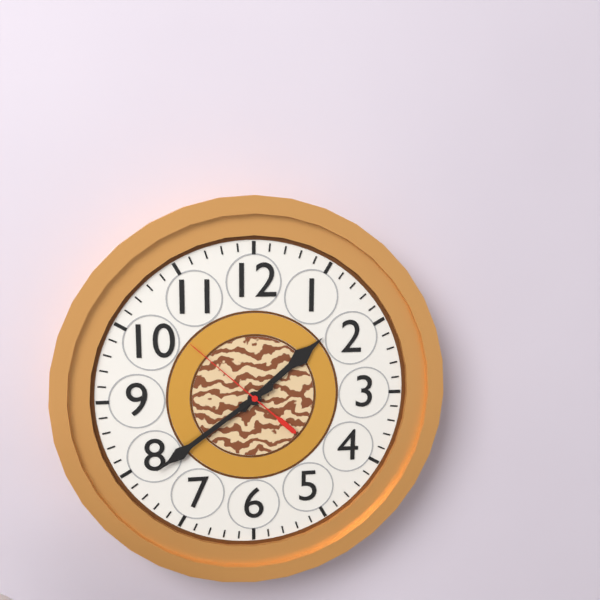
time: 1:39:52
